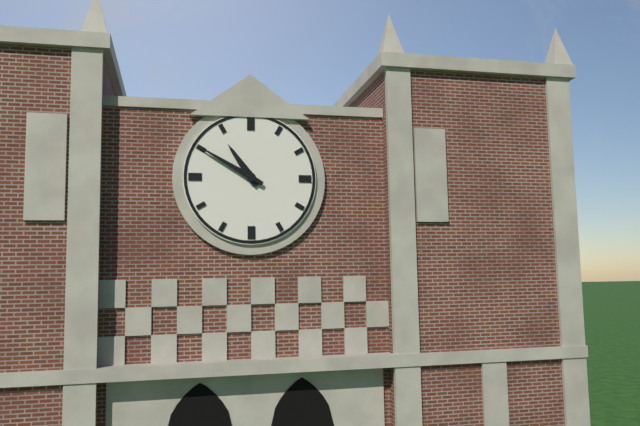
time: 10:50
